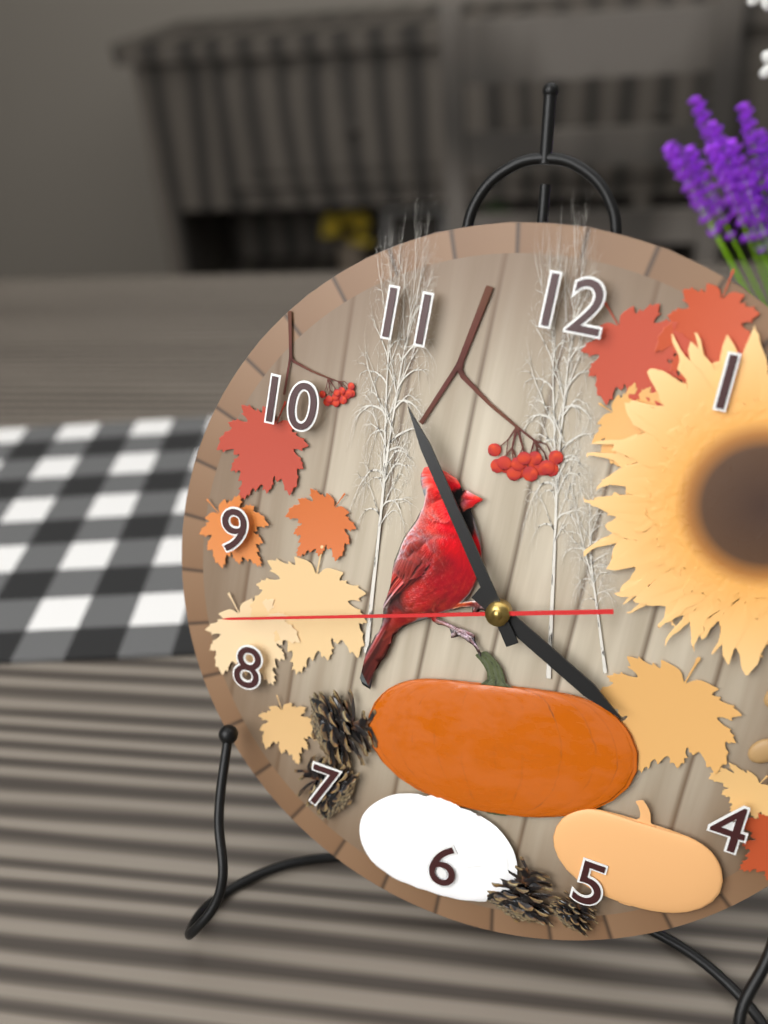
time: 3:54:42
